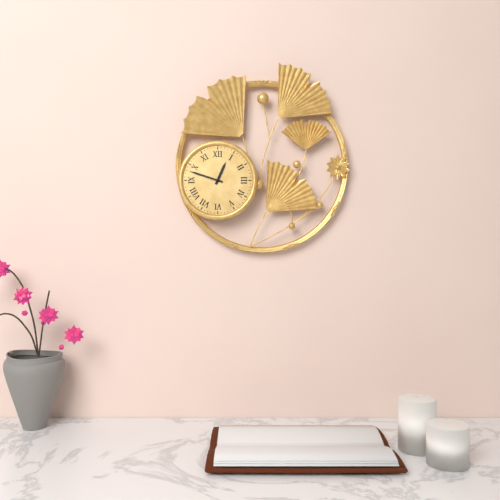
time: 12:48
